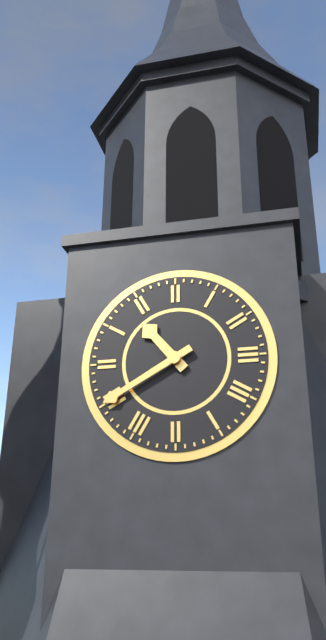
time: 10:40
